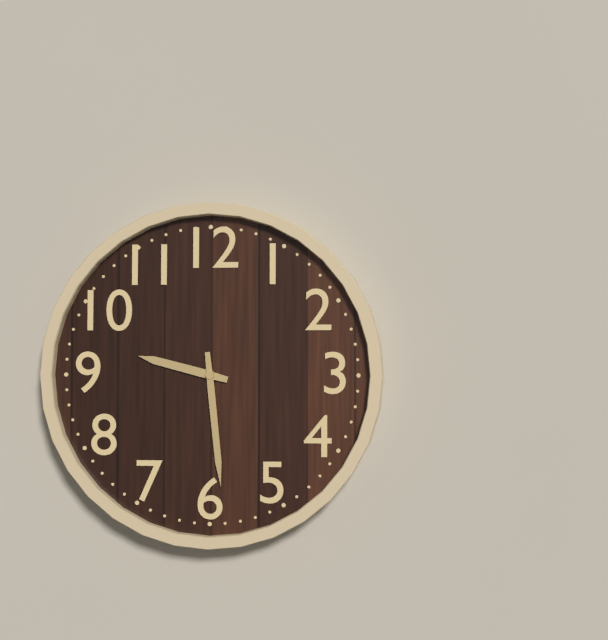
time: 9:29
